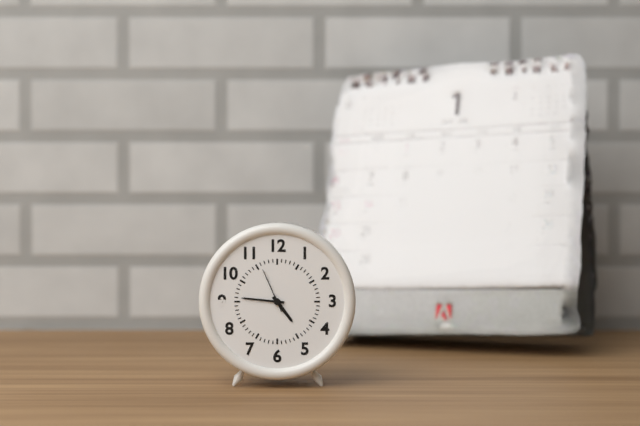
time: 4:46
